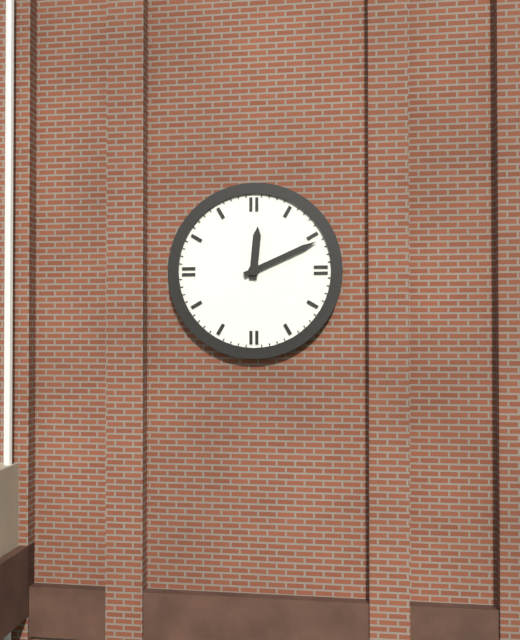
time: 12:11
